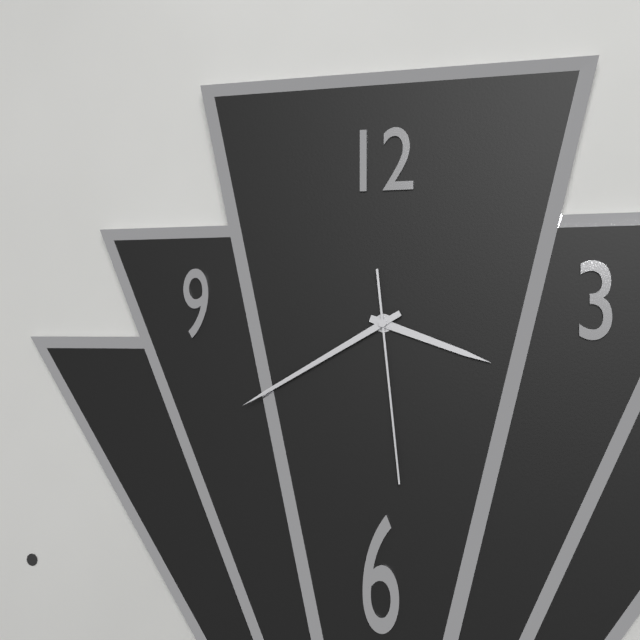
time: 3:40:29
